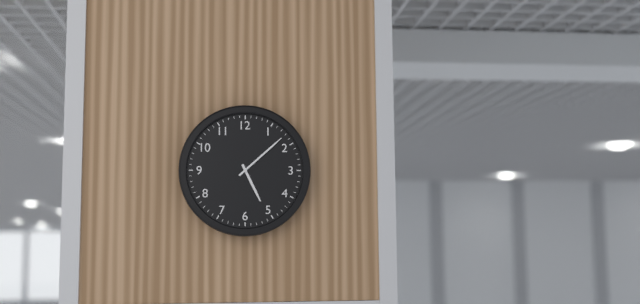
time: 5:08
